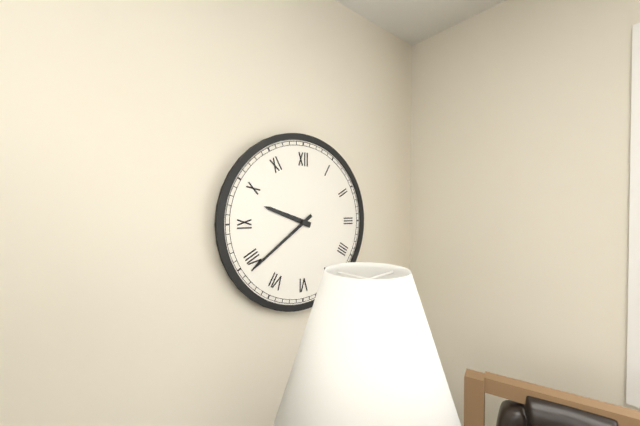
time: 9:39
